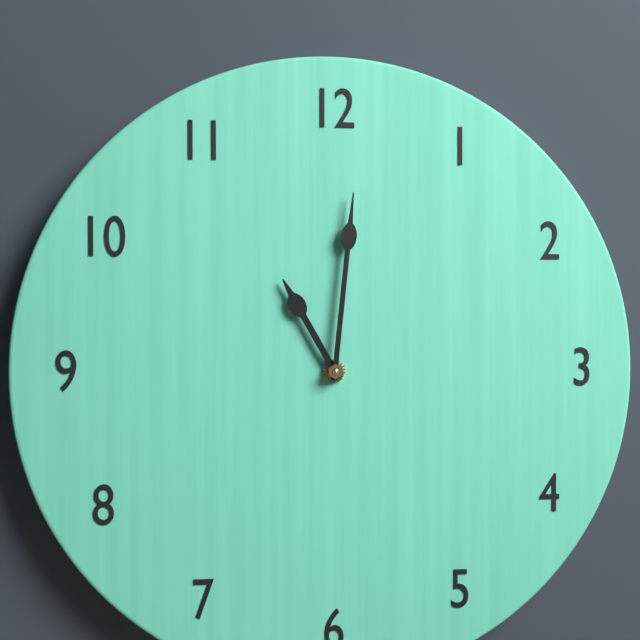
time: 11:01
